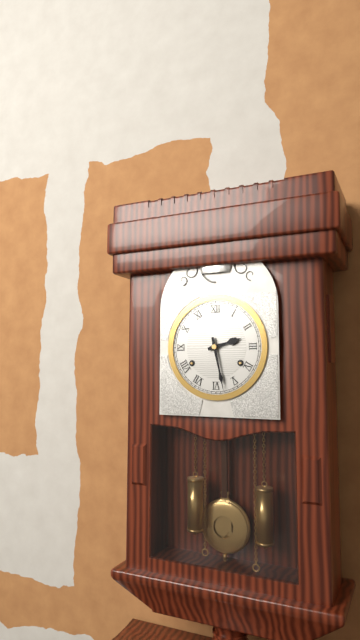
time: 2:28
